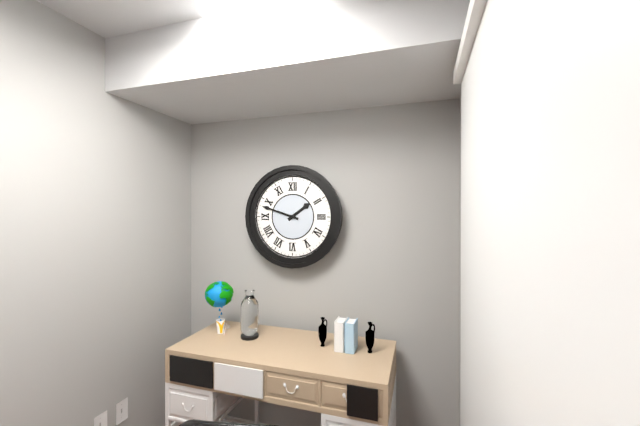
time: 1:48
